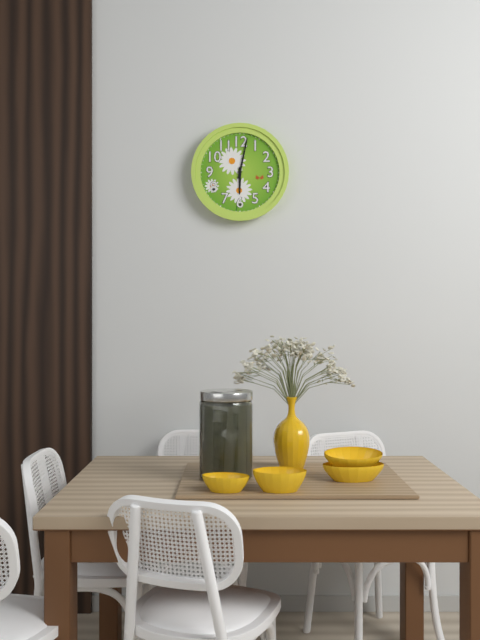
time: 6:02
